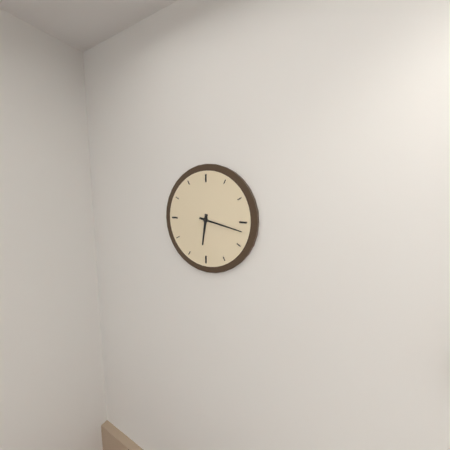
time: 6:17
